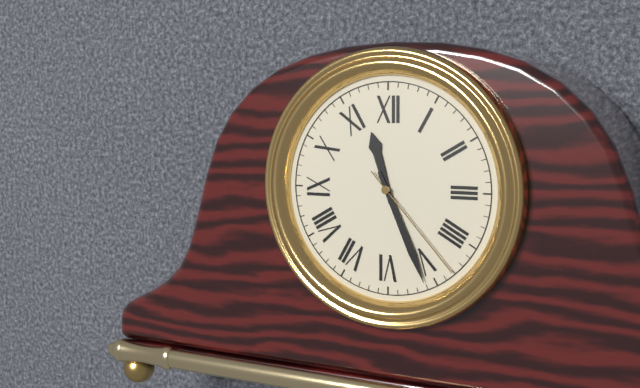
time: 11:26:23
